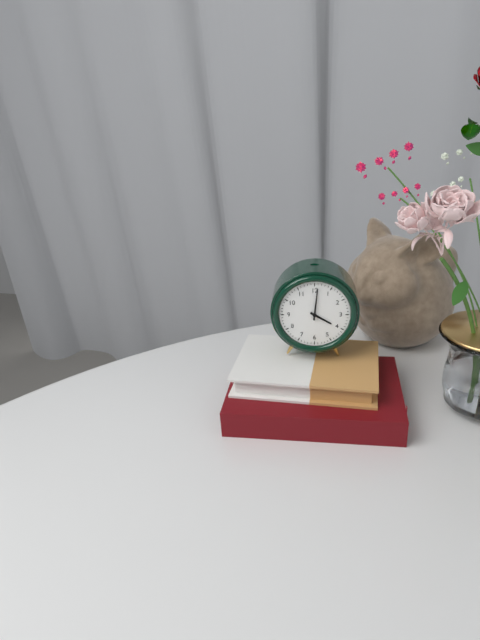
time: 4:01
